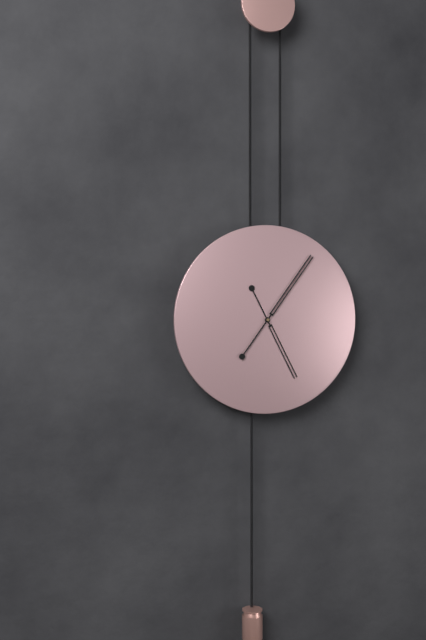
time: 5:06
